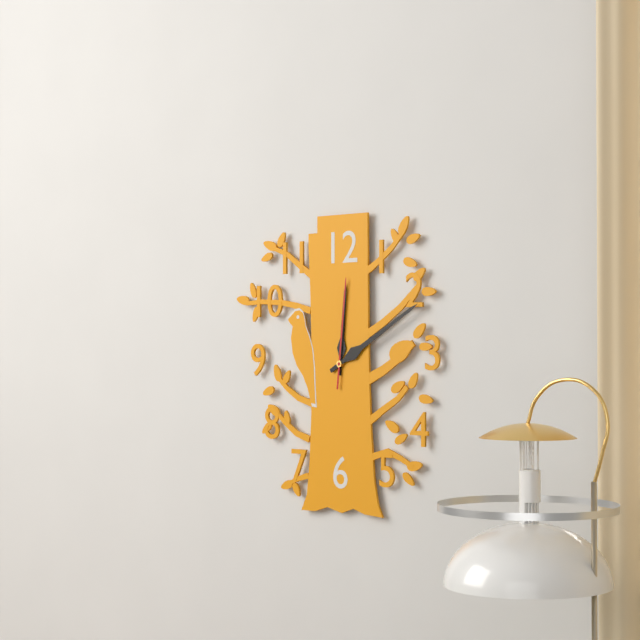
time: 12:10:01
